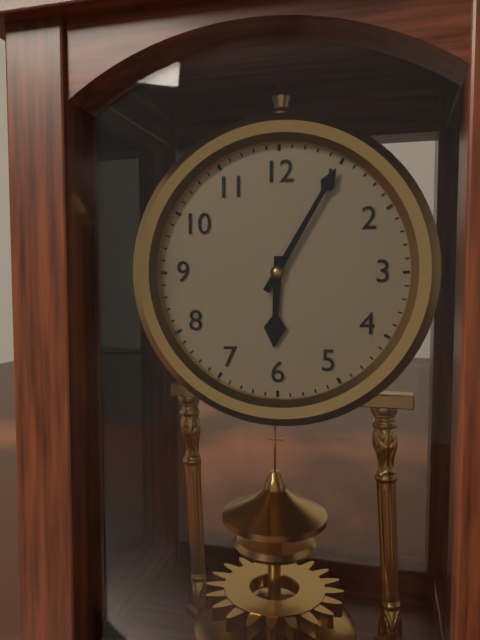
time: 6:05
